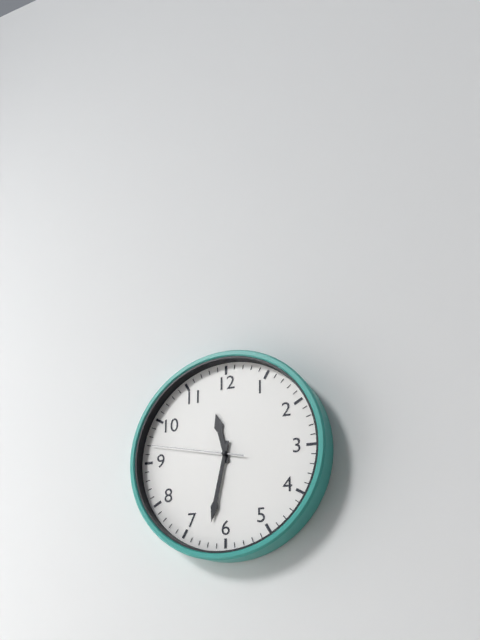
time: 11:32:47
